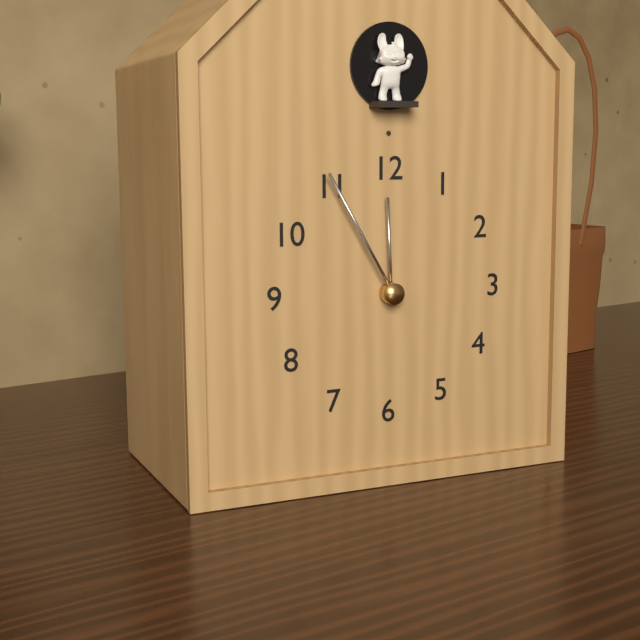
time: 11:55
